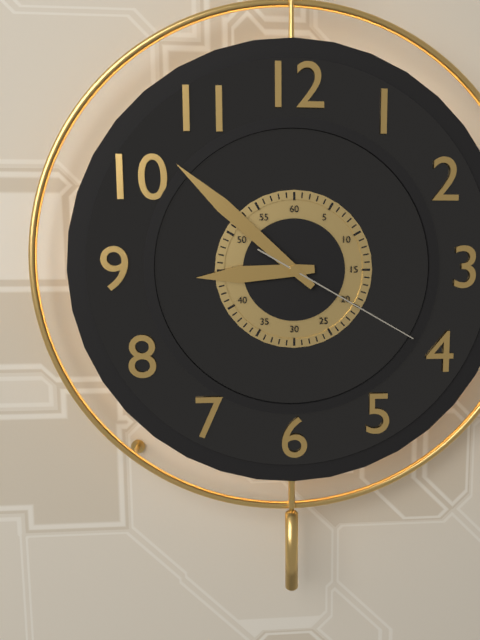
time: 8:52:20
